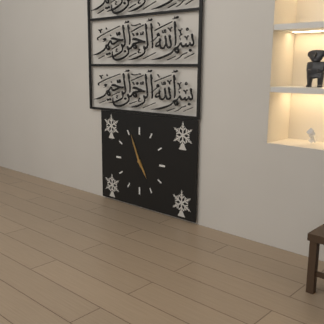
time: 4:56
